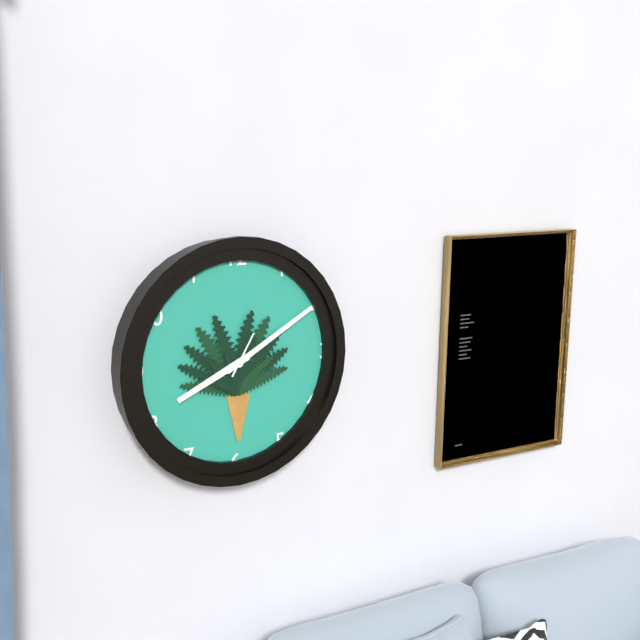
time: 8:10
